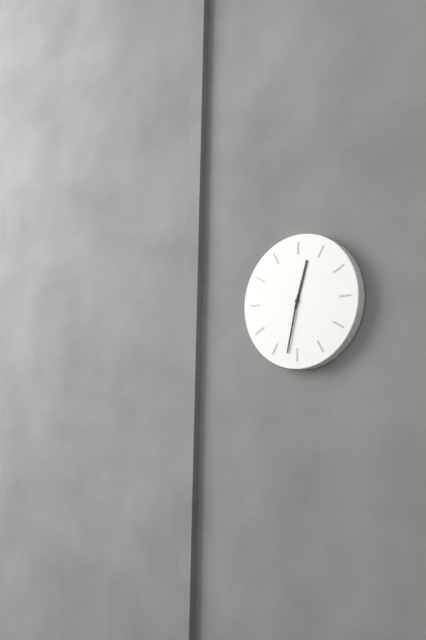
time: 12:32
